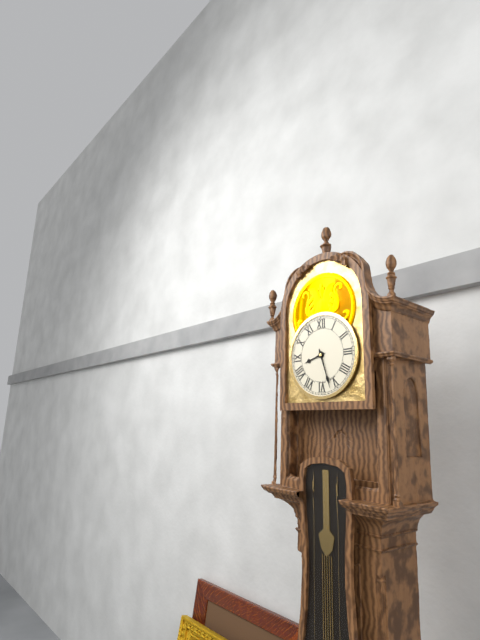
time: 8:27
